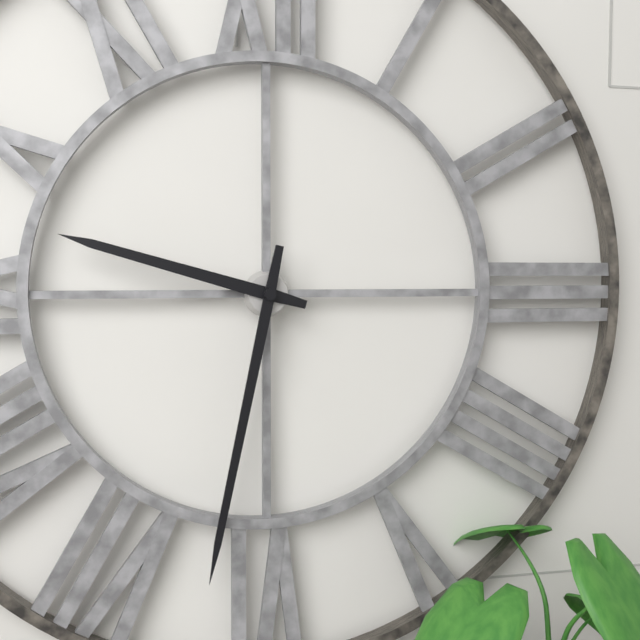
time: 9:32
